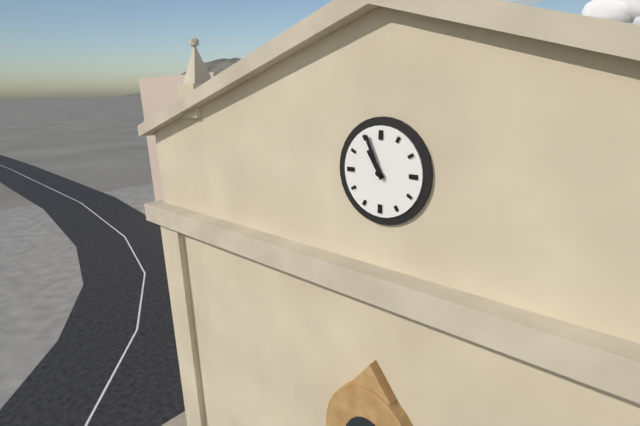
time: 10:56
